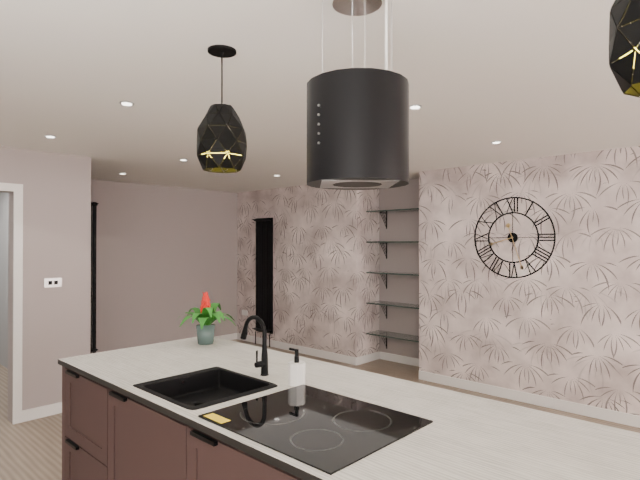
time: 8:27
